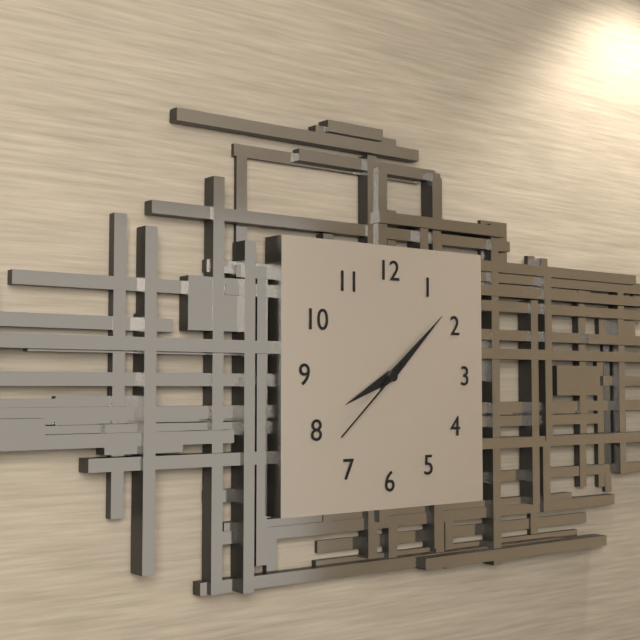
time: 8:08:38
